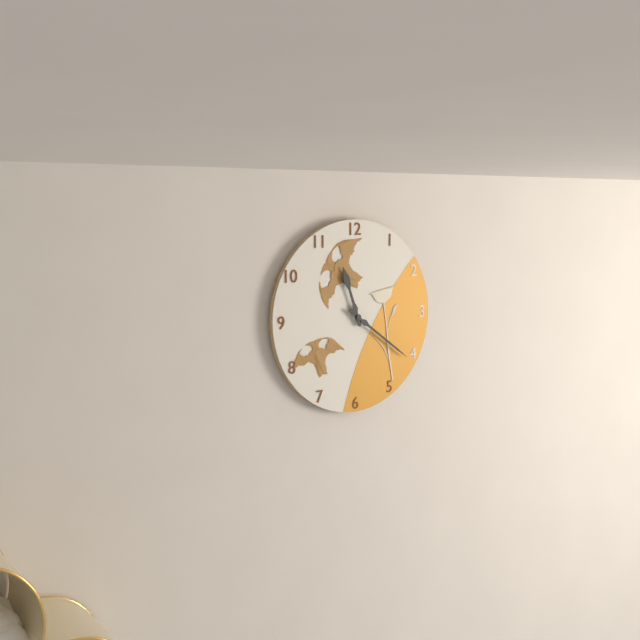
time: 11:21
